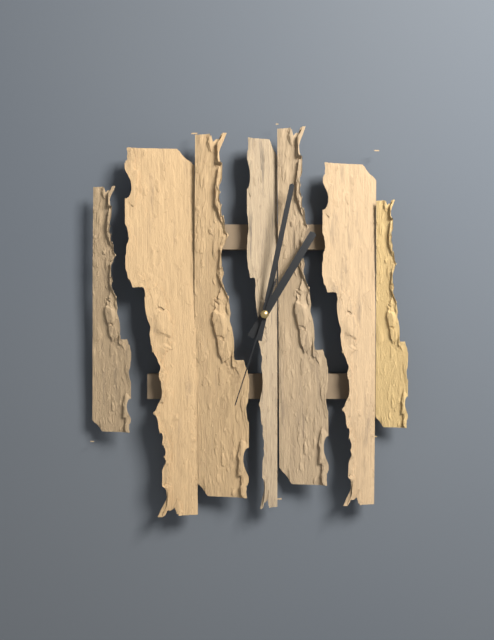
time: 1:02:33
